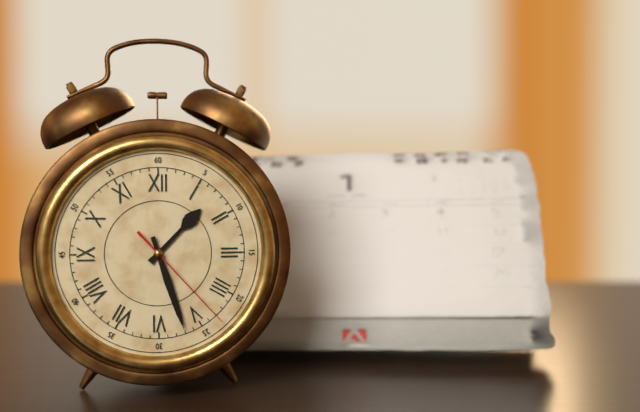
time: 1:27:23
